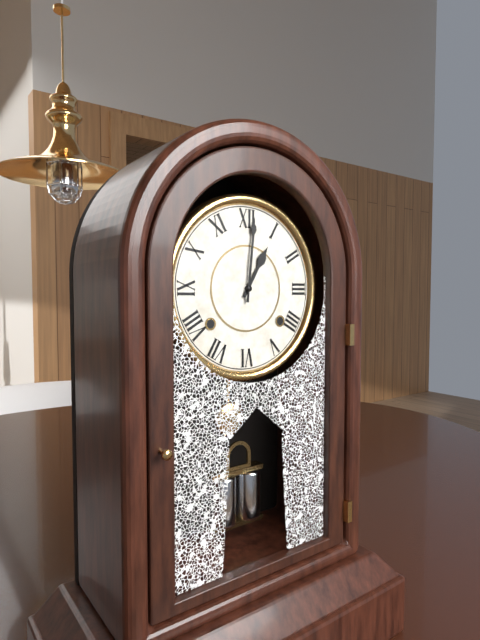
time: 1:01
